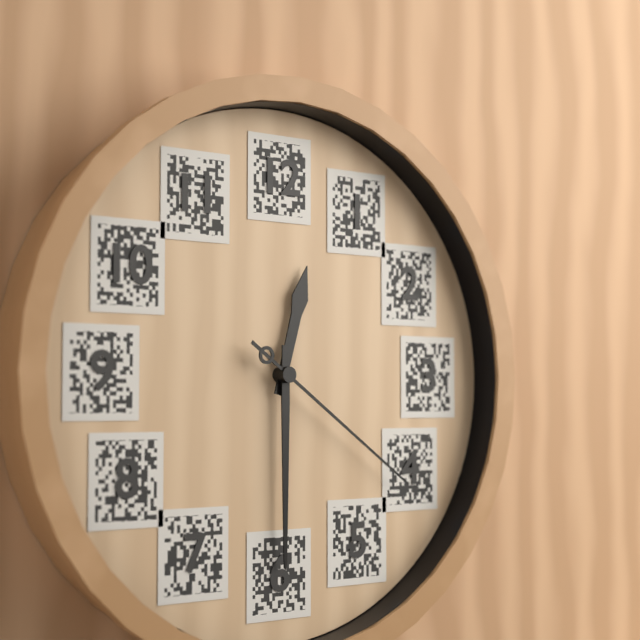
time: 12:30:21
